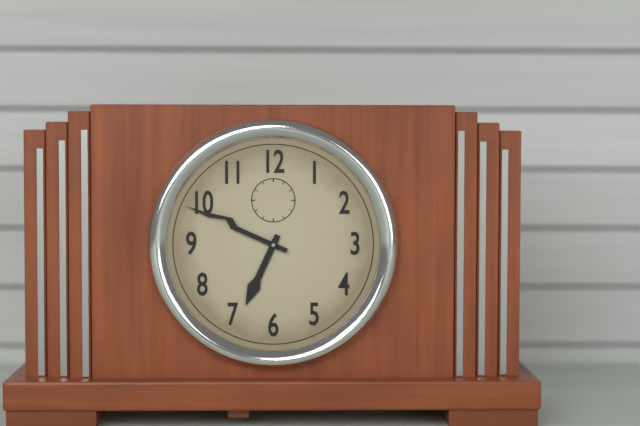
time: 6:49
